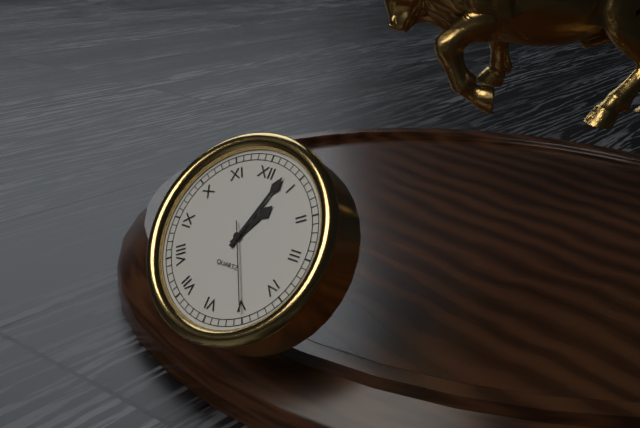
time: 1:03:25
